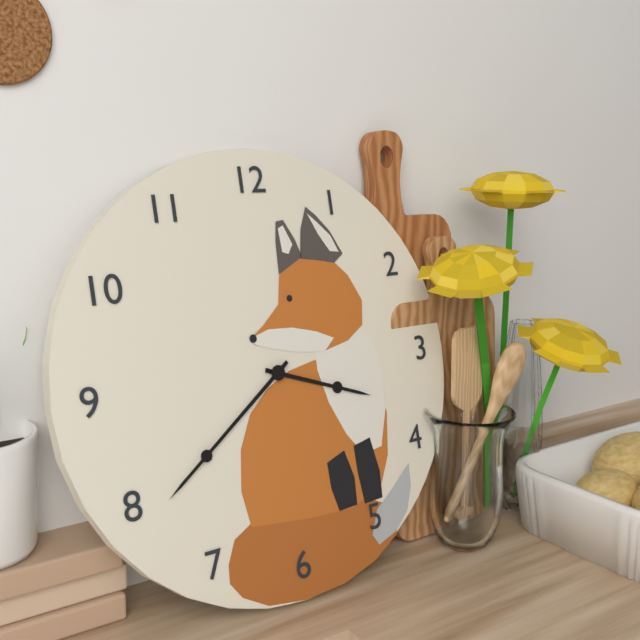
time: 3:39
